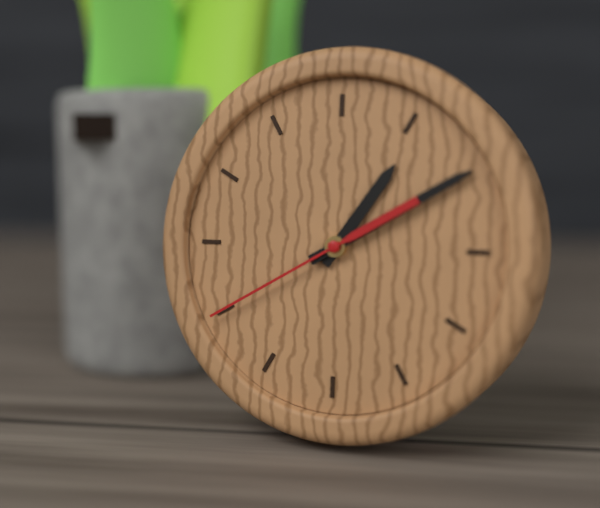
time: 1:10:40
